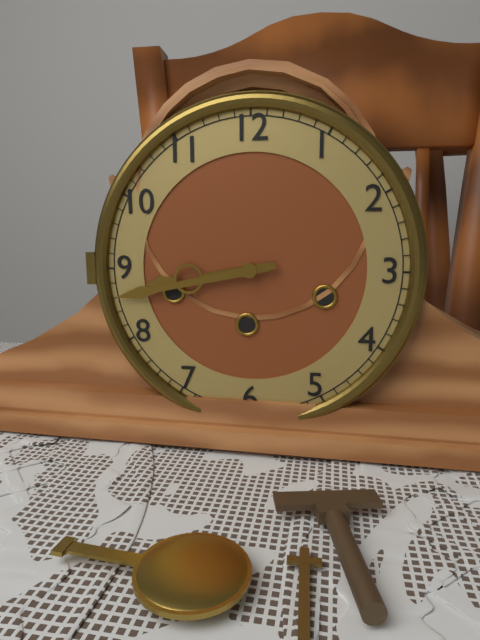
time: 8:43
